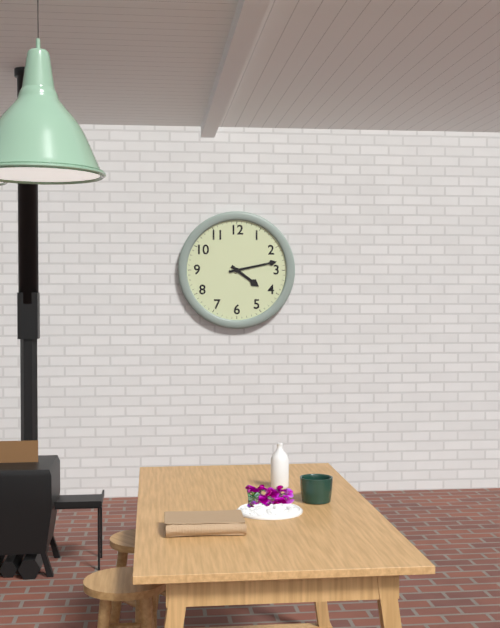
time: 4:13
